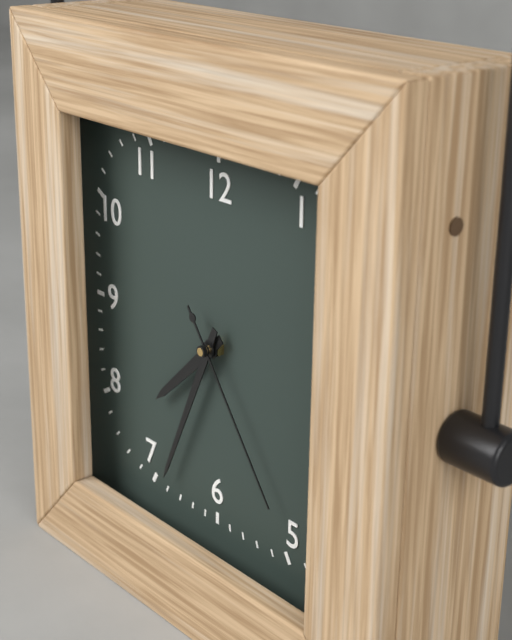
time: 7:34:24
